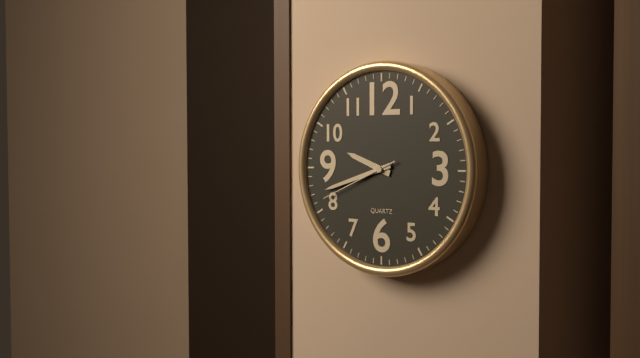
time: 9:42:41
